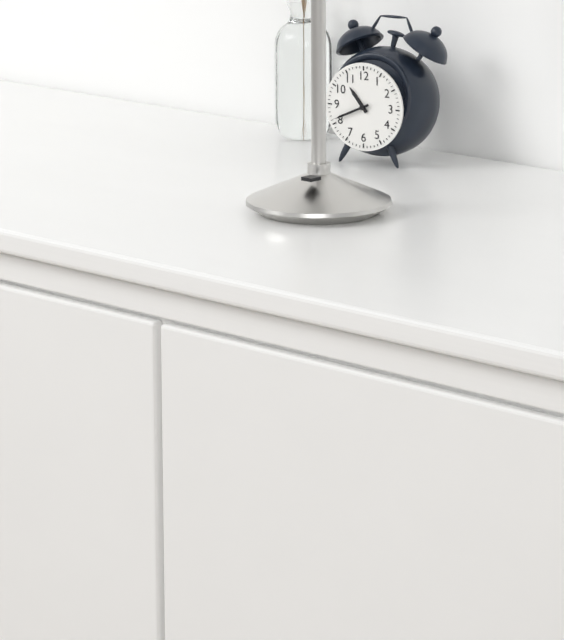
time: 10:41
